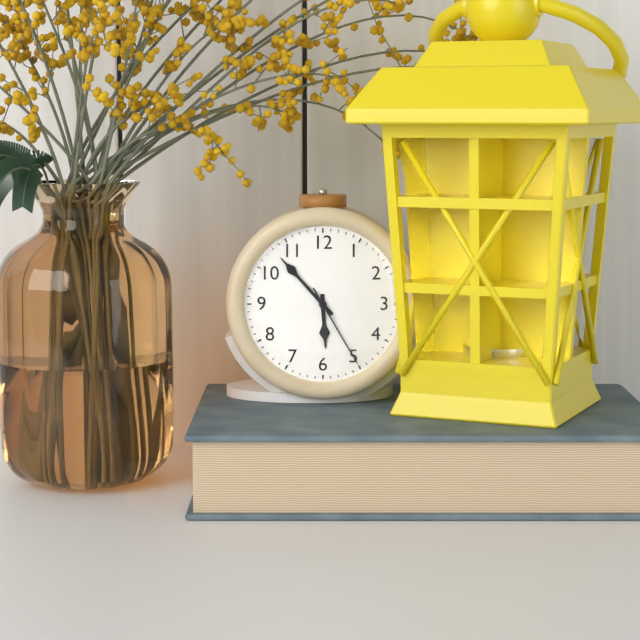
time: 5:53:25
